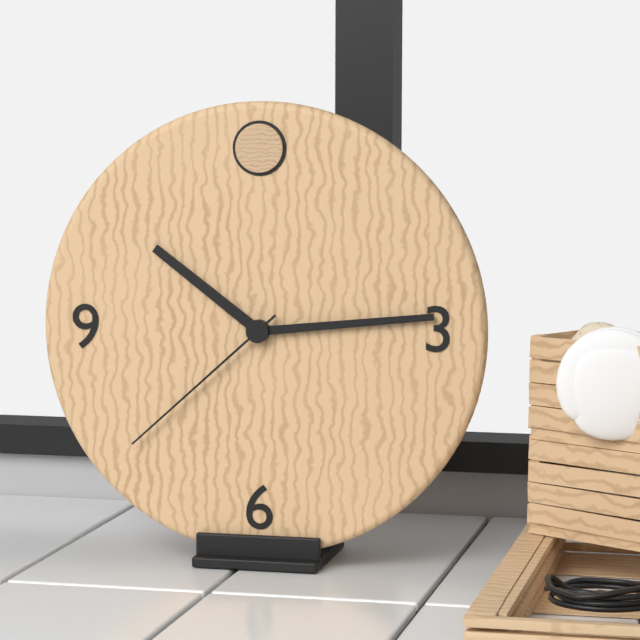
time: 10:14:38
